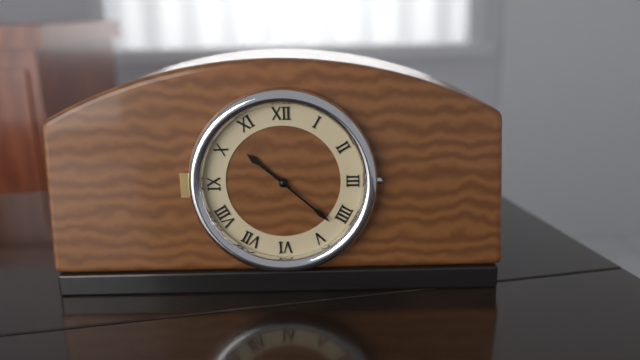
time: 10:22
